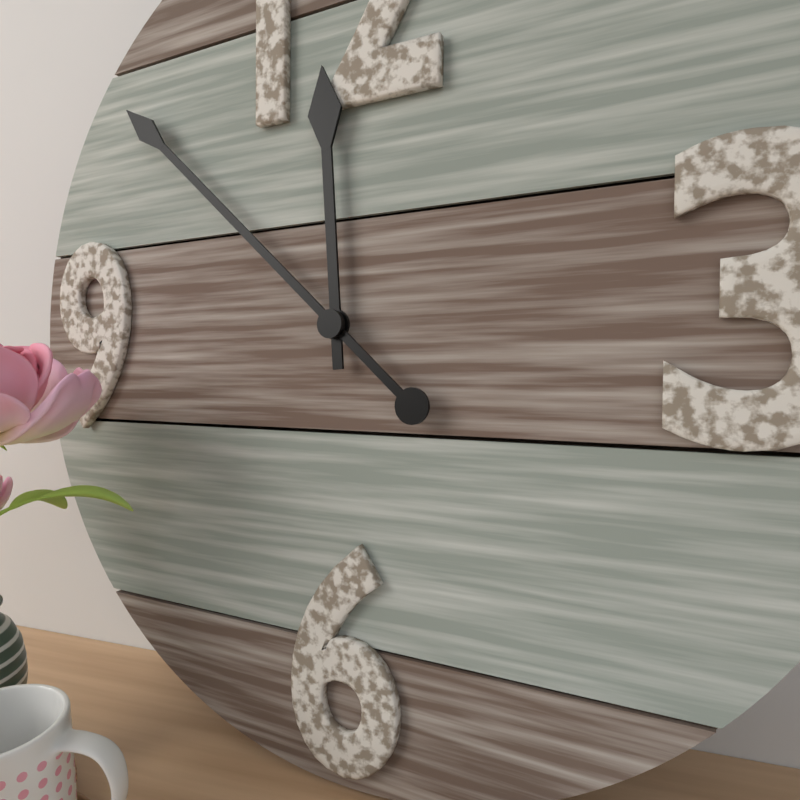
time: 11:52
